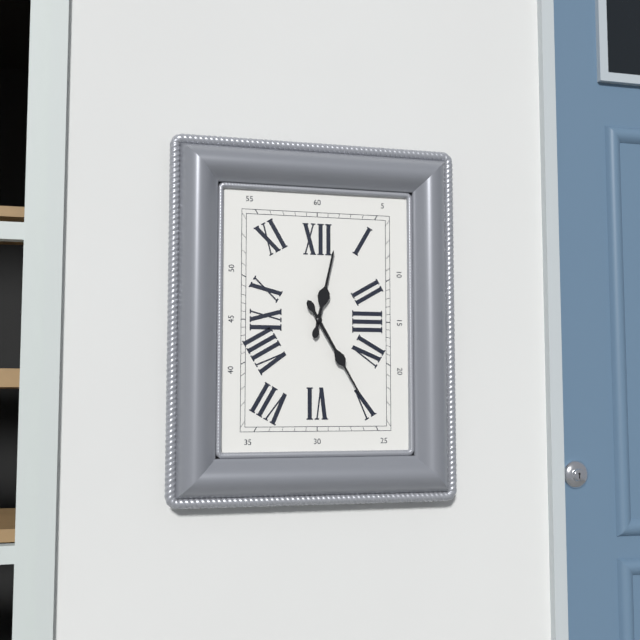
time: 12:25
